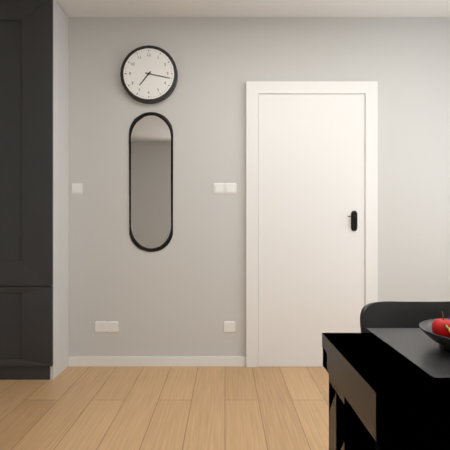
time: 7:17
